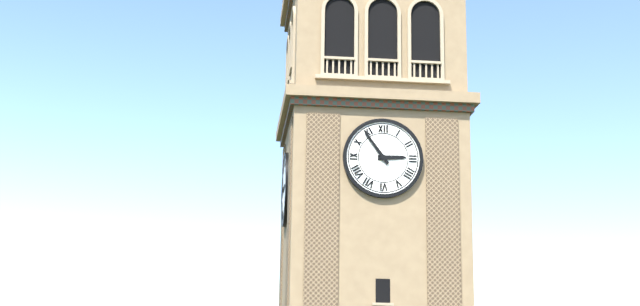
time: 2:54
